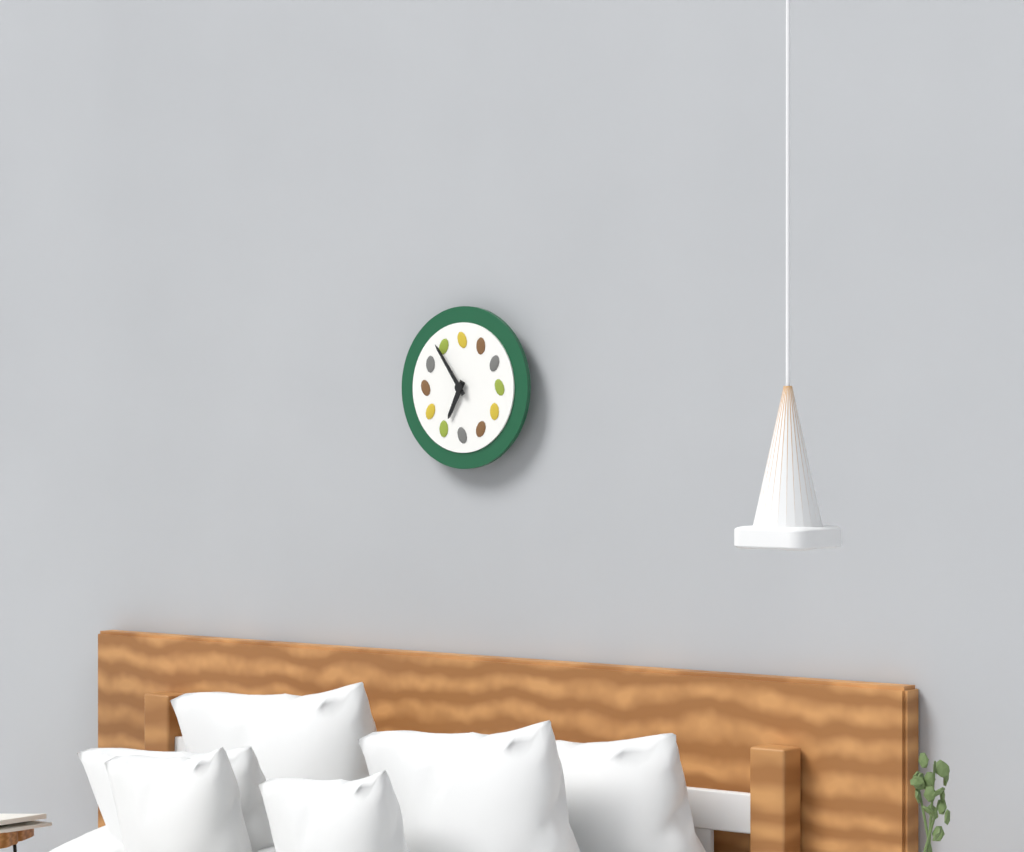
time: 6:54
